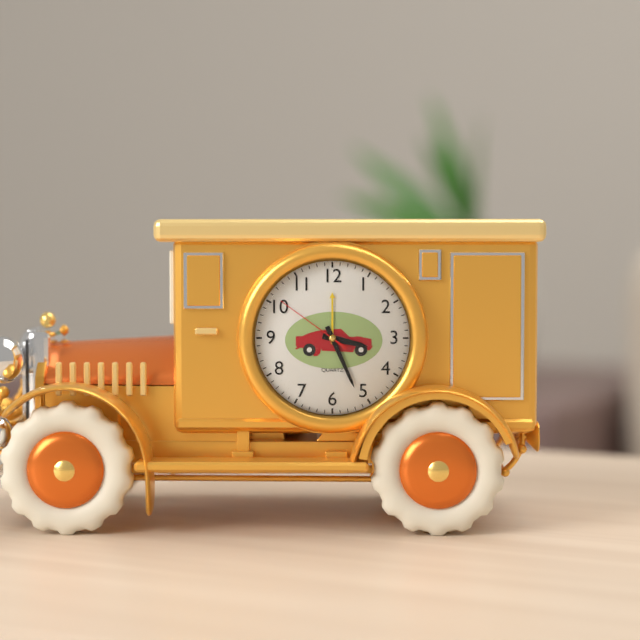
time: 3:26:51
